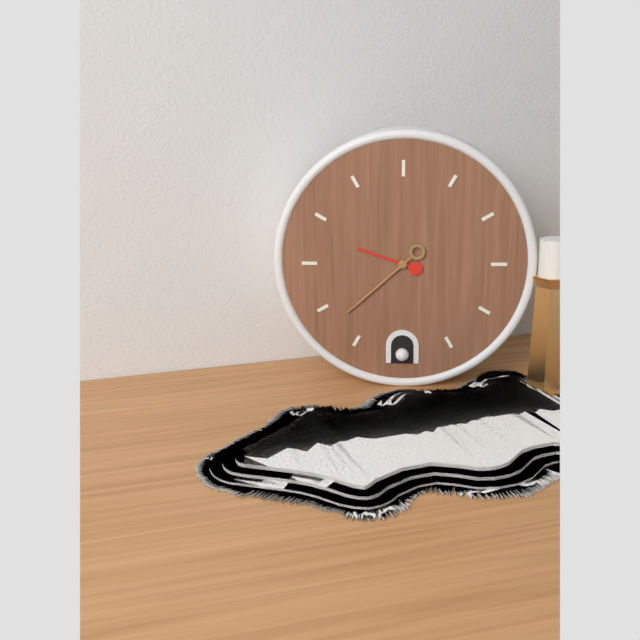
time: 9:38
